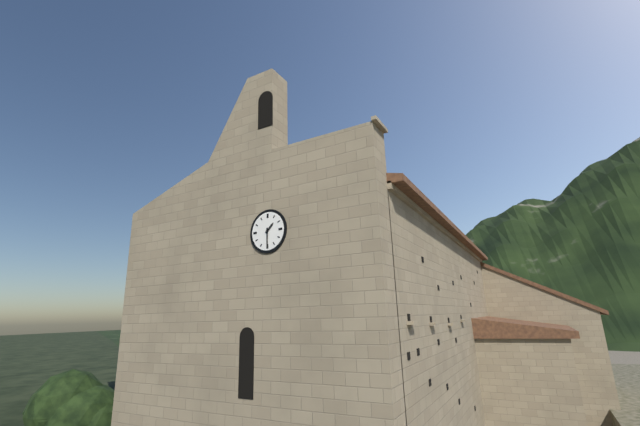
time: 1:30
